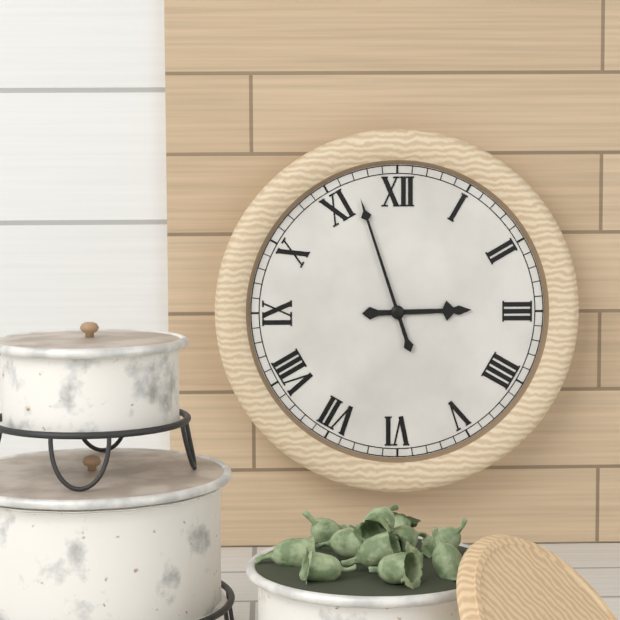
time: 2:57
